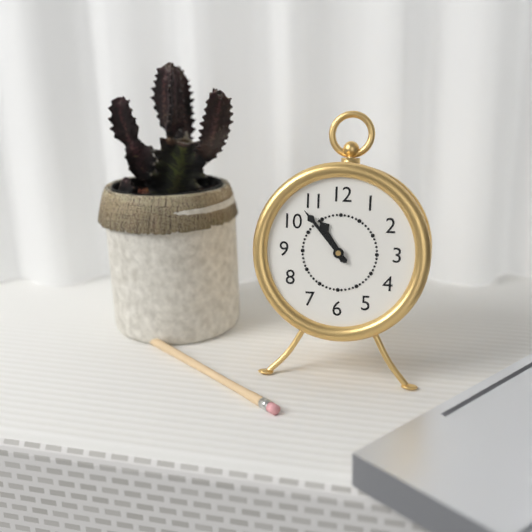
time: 10:53
